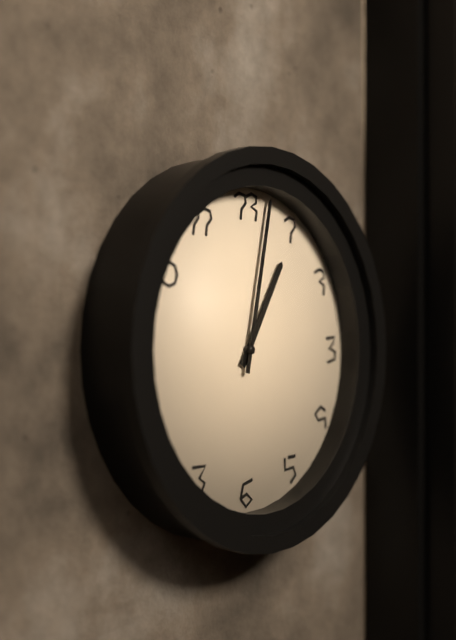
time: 1:02
